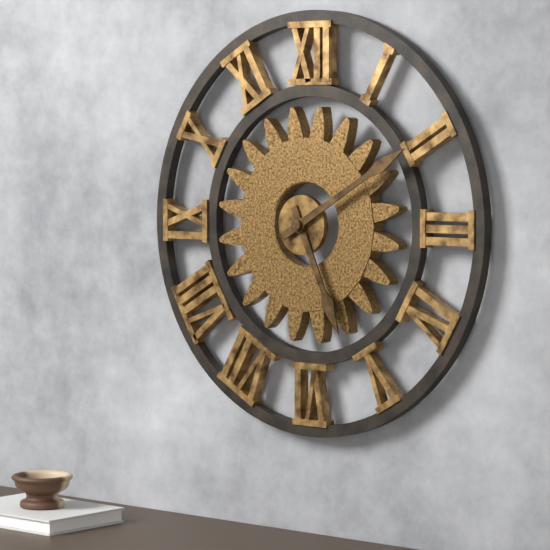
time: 5:10
